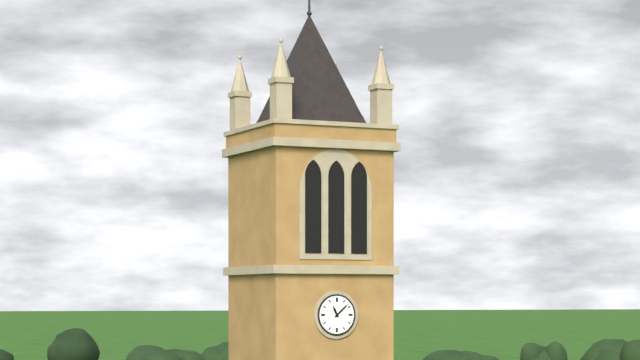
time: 11:08
